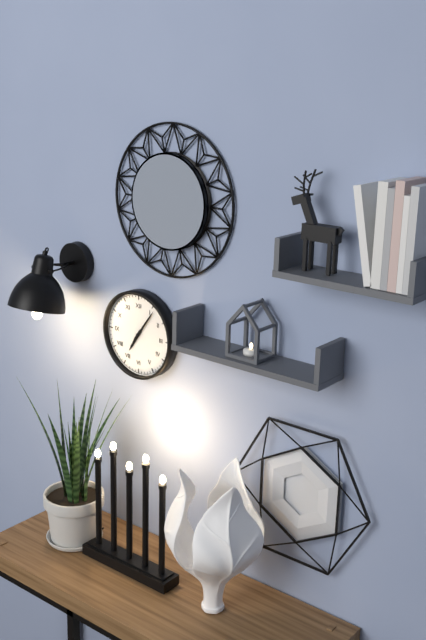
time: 7:06
